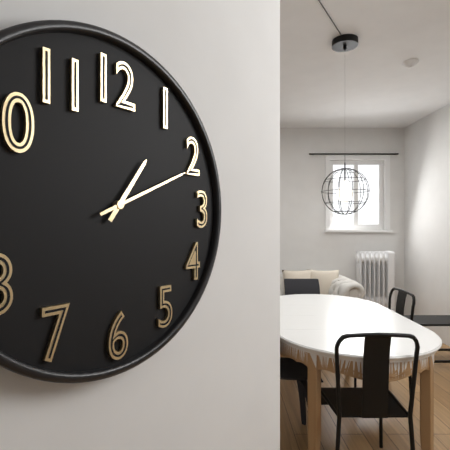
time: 1:11
